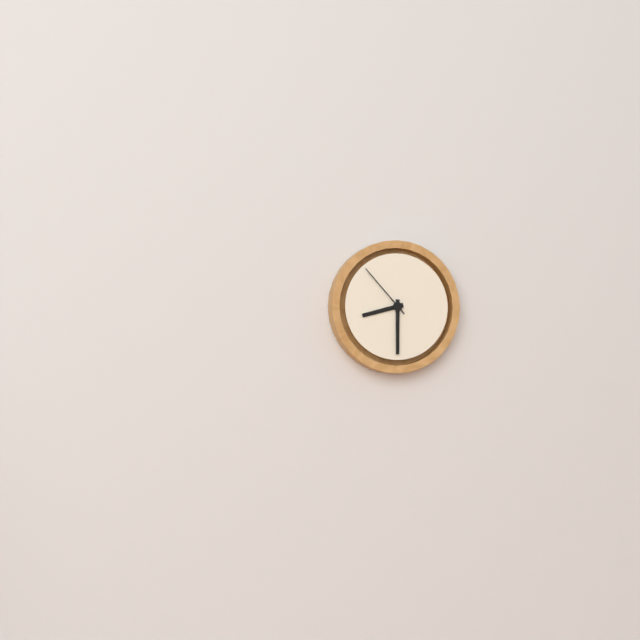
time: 8:30:53
